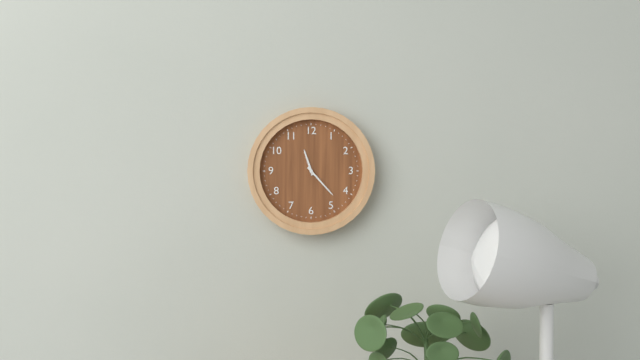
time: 11:23
